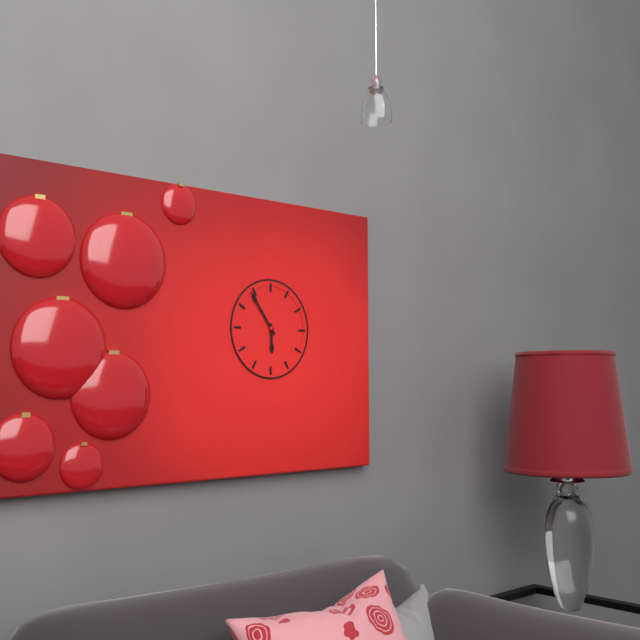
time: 5:54
